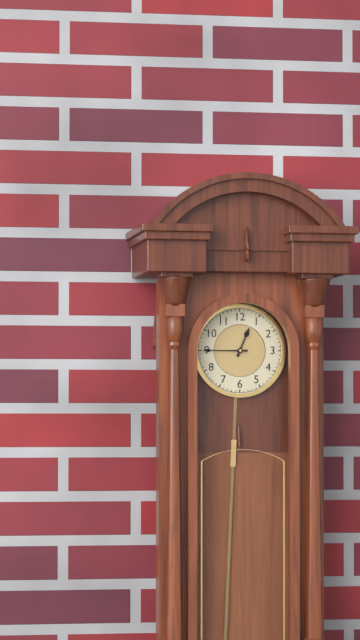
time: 12:45
